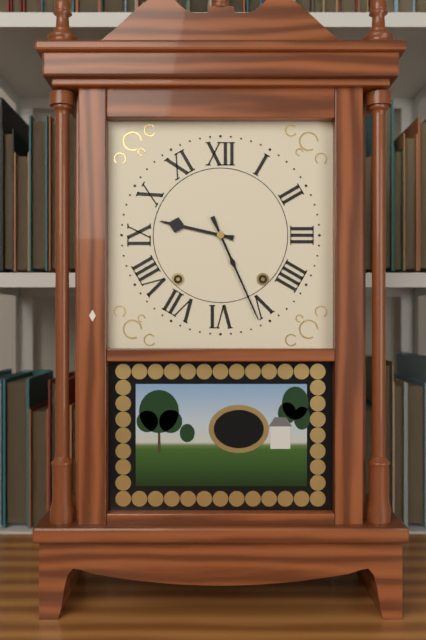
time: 9:26
